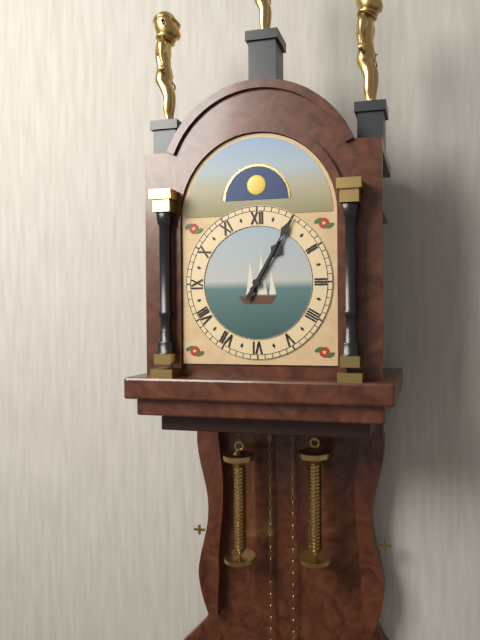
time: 1:05
